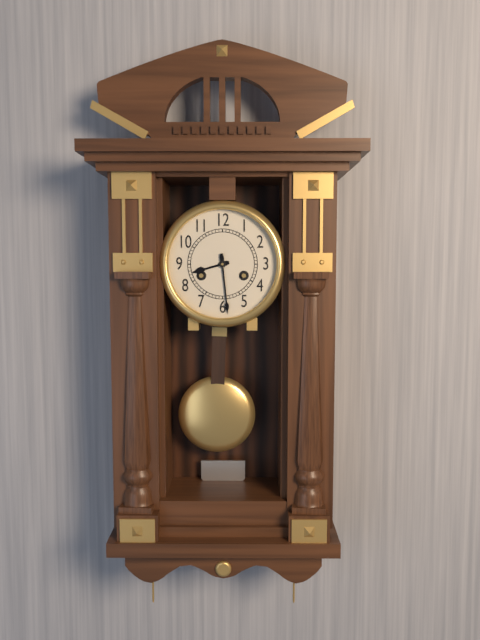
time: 8:29
